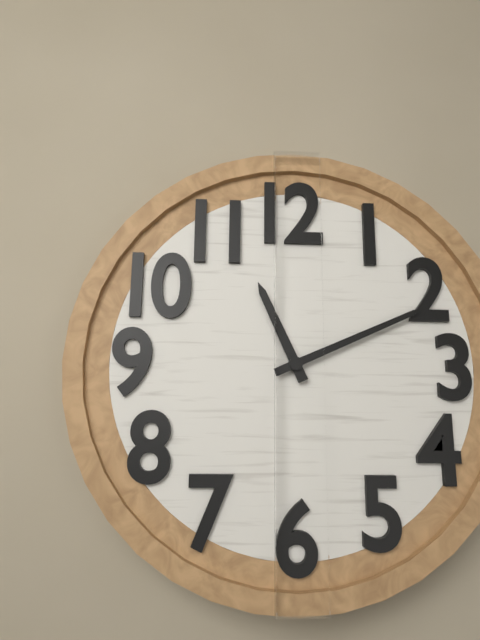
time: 11:11
